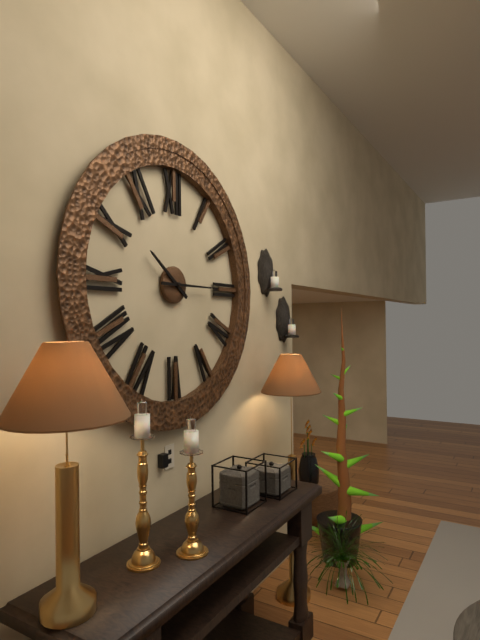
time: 10:15
